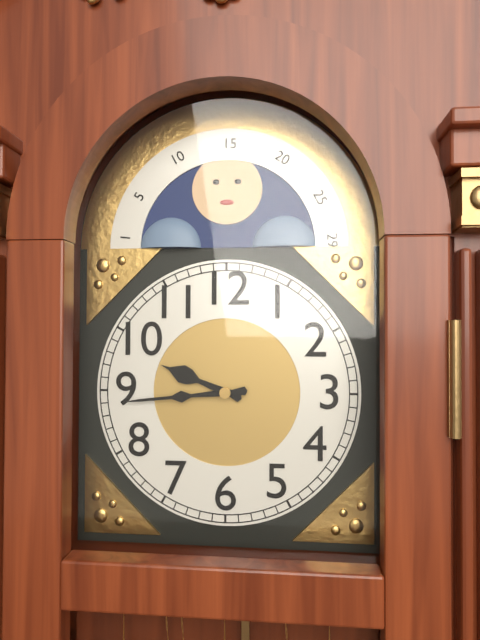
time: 9:44
